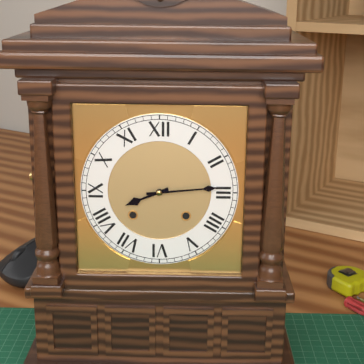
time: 8:14
